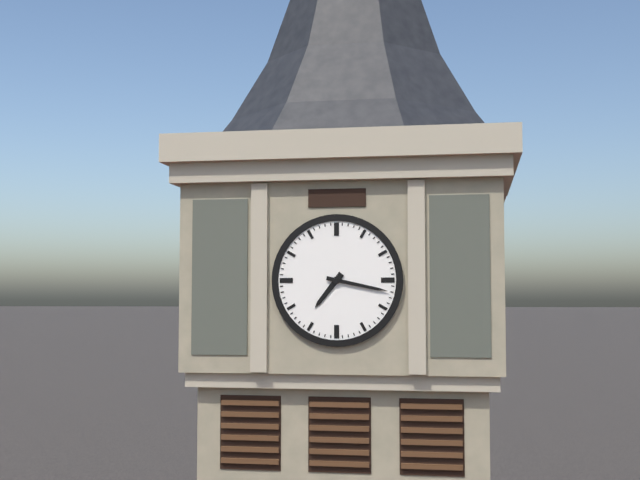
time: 7:17
